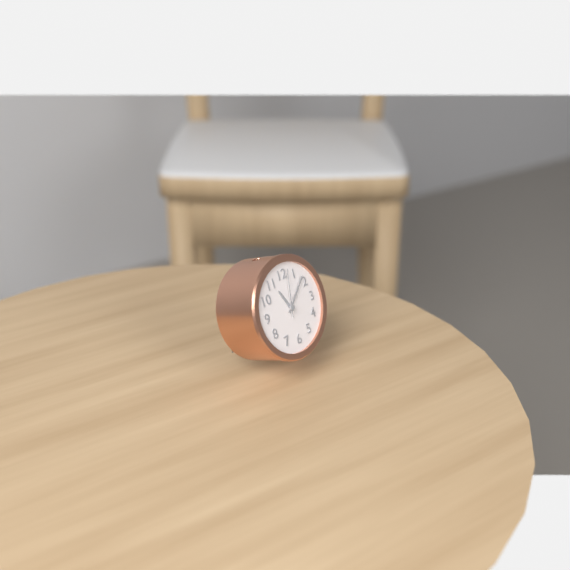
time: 11:08
